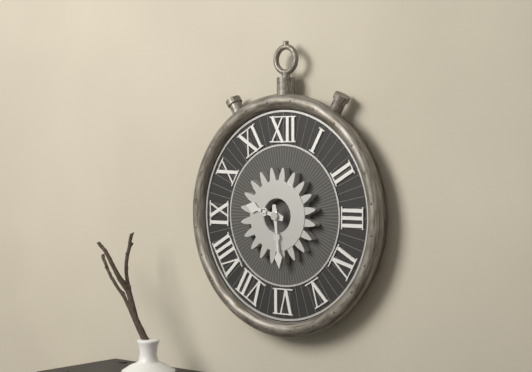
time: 9:29
